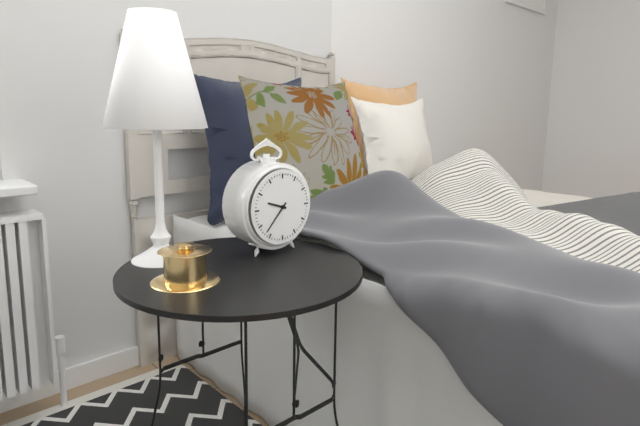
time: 9:37
